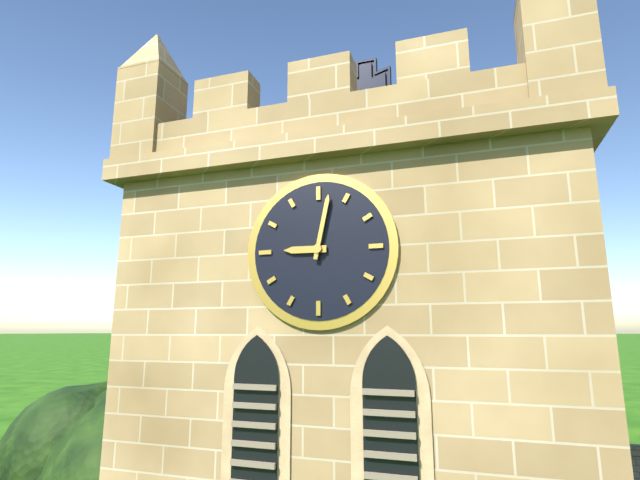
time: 9:02
